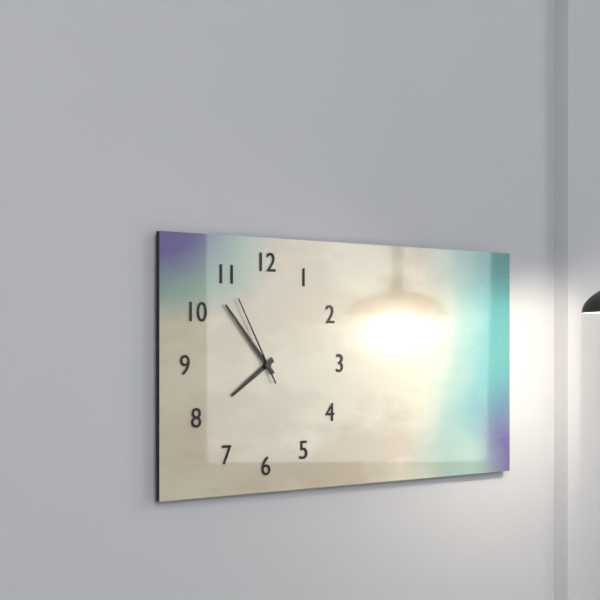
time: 7:53:55
